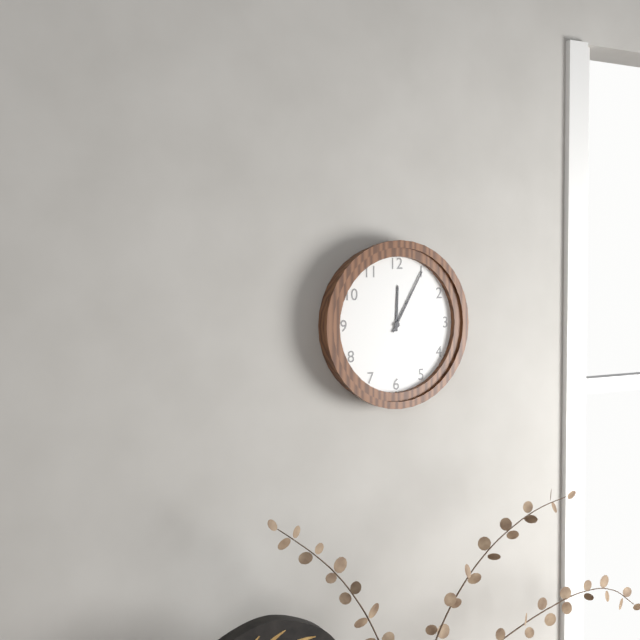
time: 12:05
